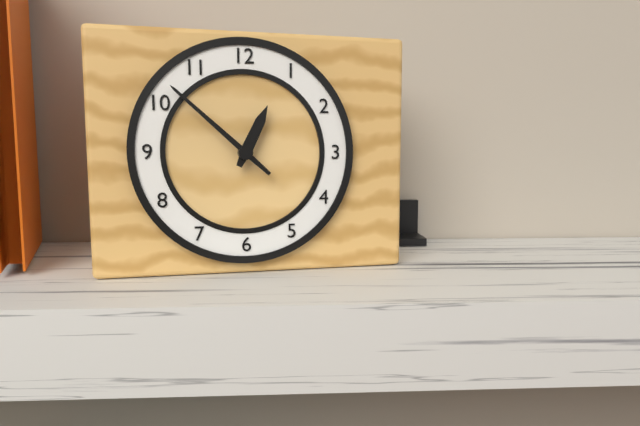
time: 12:52
